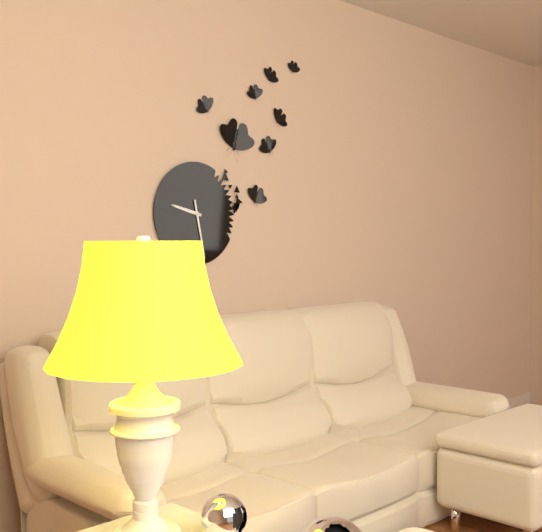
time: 9:28
